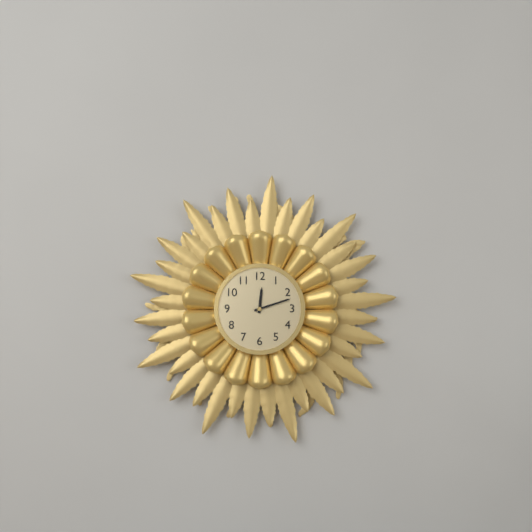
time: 12:12
